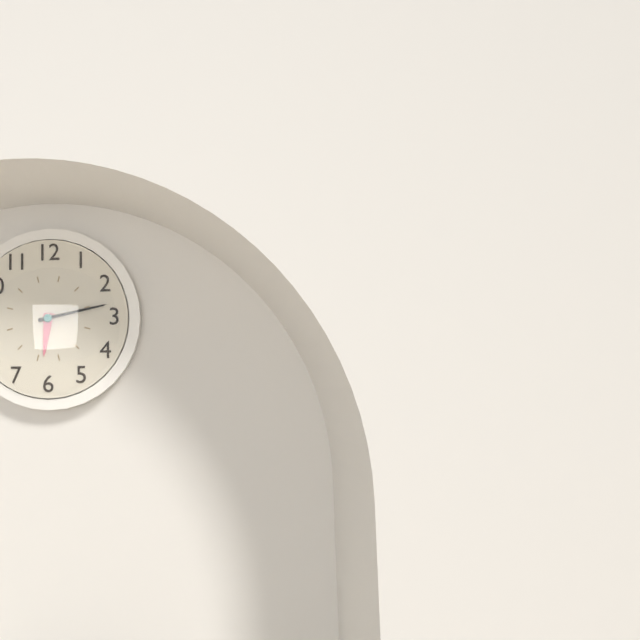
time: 6:13
